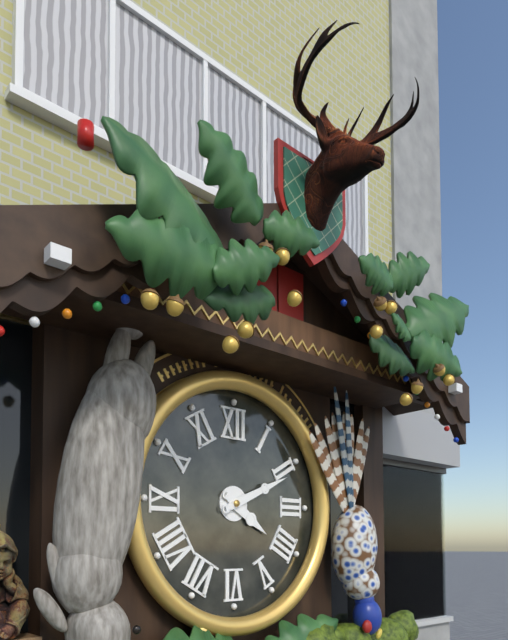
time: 4:11
